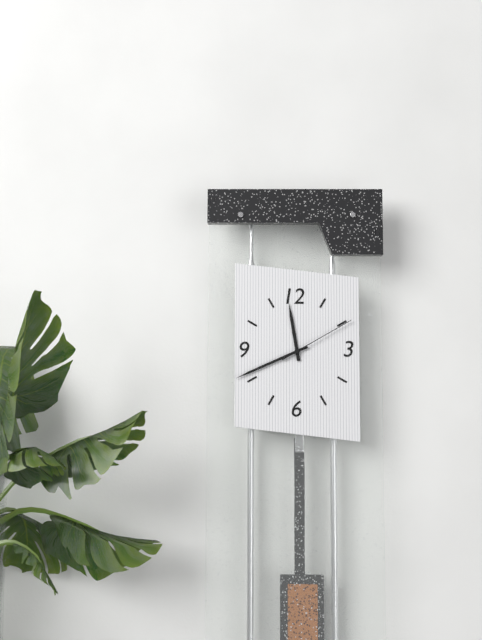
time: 11:41:10
